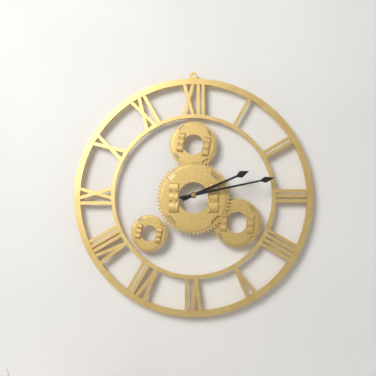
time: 2:13
